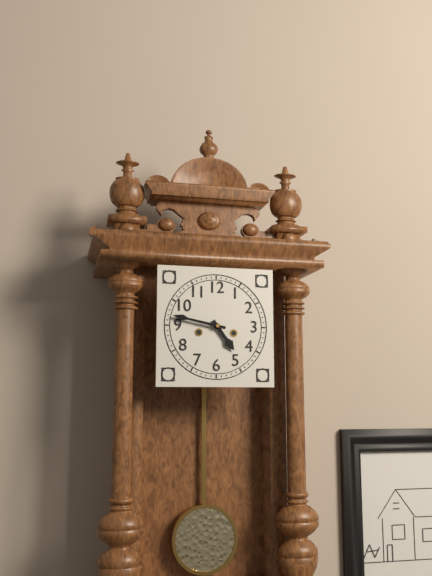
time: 4:47
